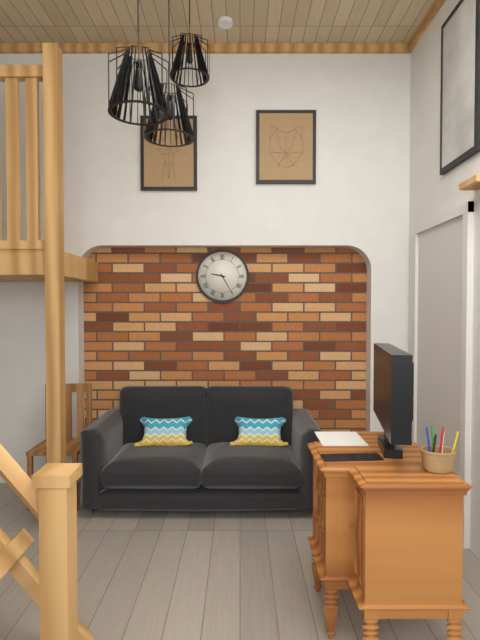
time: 9:25
